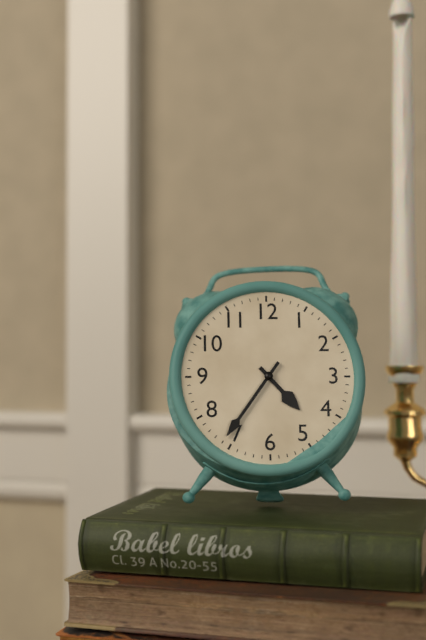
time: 4:36
